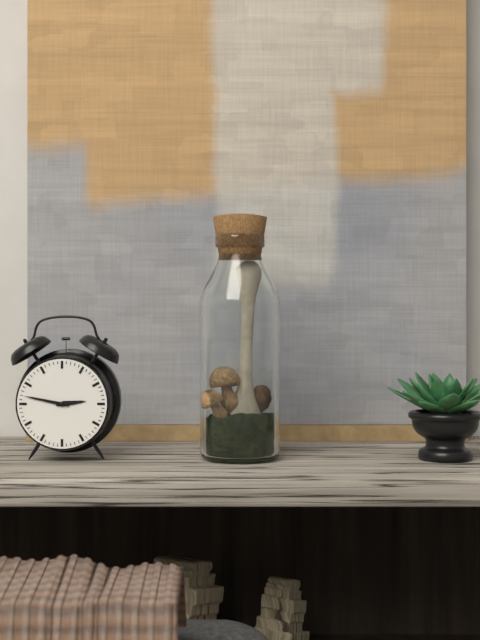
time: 2:47
